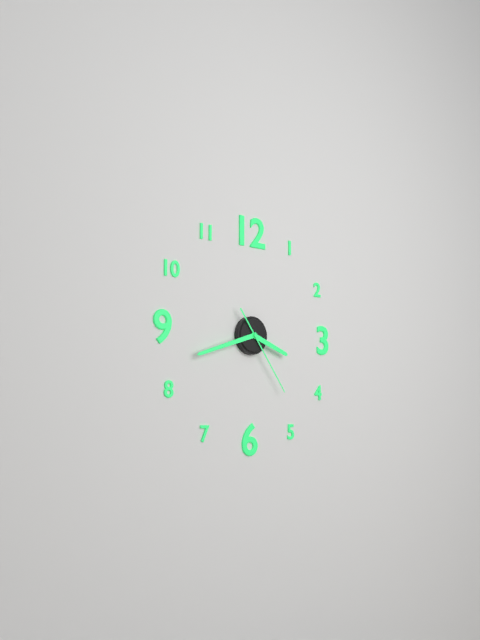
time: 3:42:24
